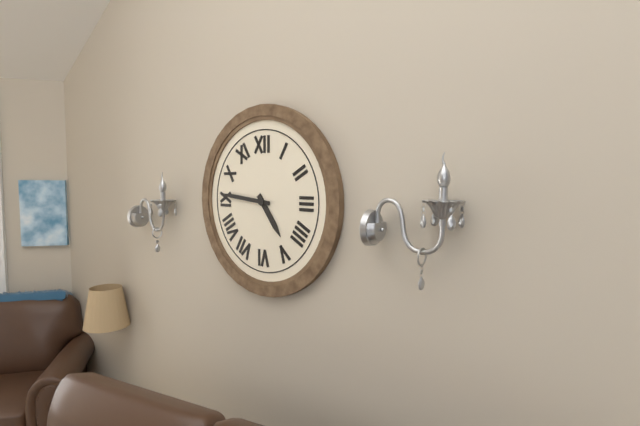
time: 4:46
